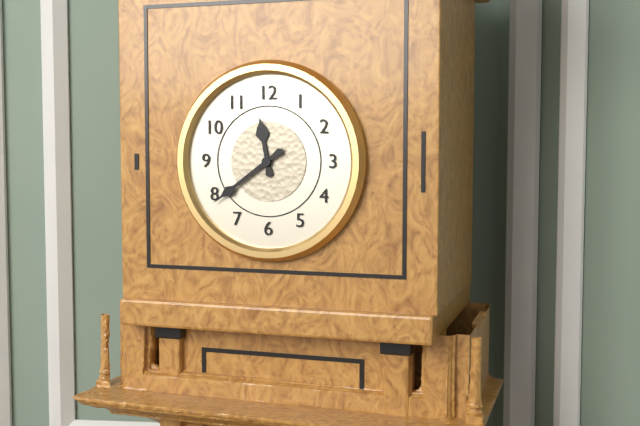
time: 11:39
